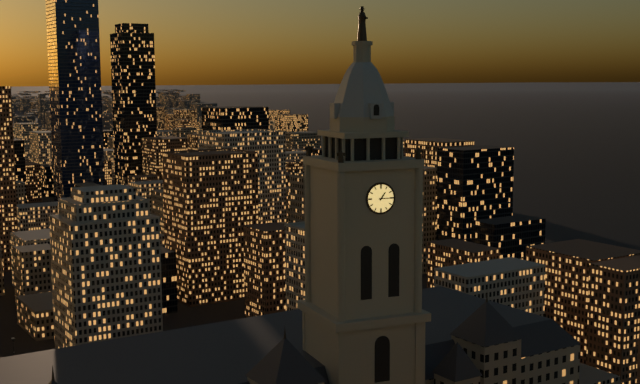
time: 1:15
